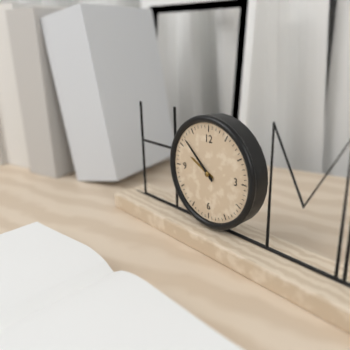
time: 9:52
